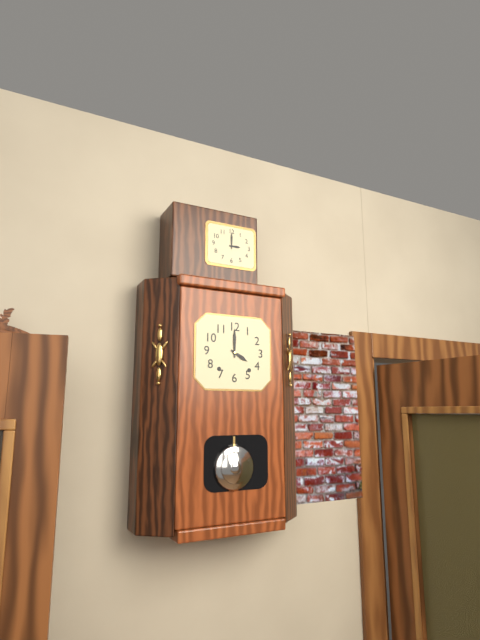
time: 4:00
